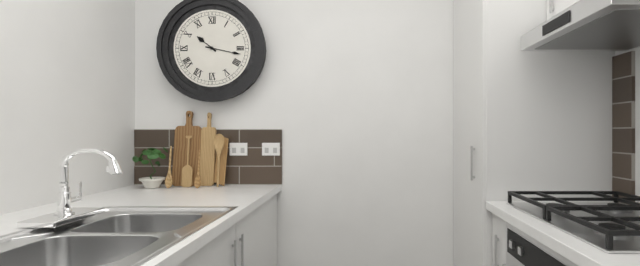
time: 10:17
